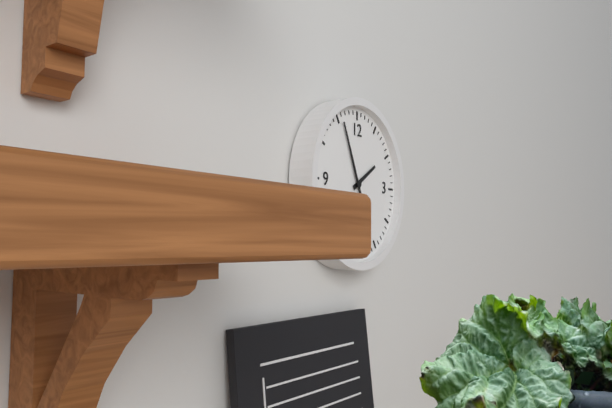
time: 1:56
